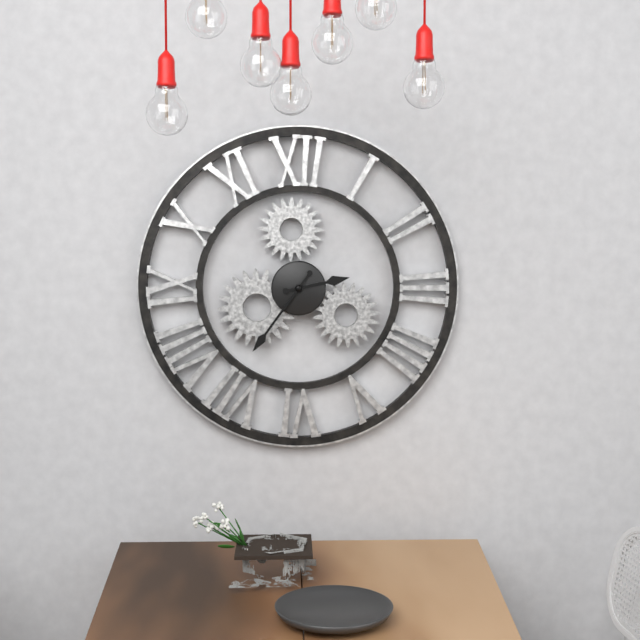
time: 2:36
